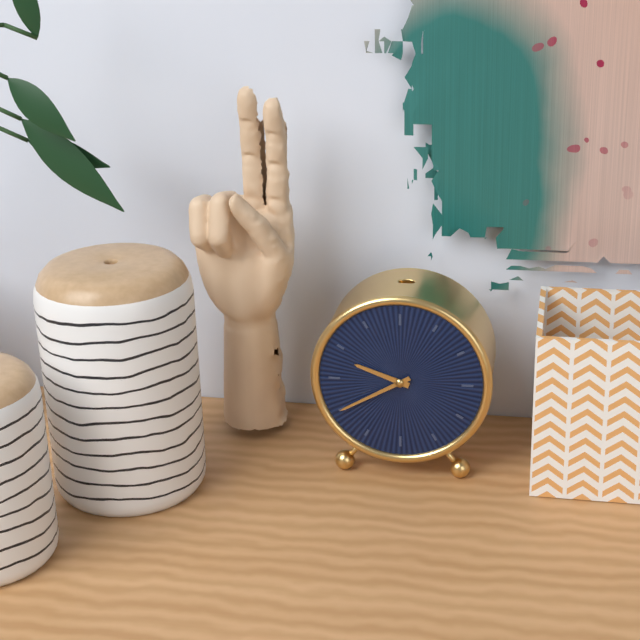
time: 9:40
